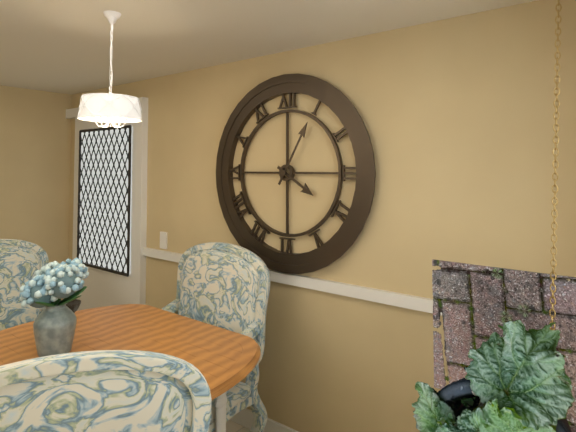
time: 4:05
